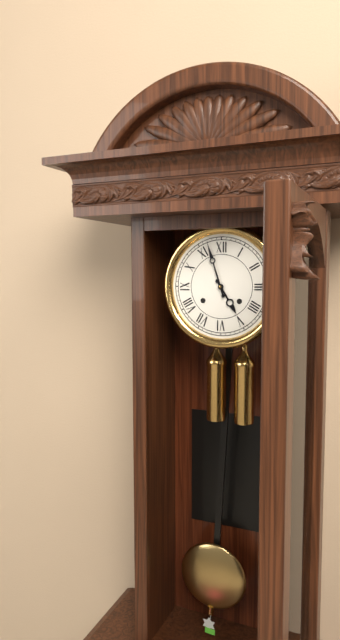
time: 4:57
